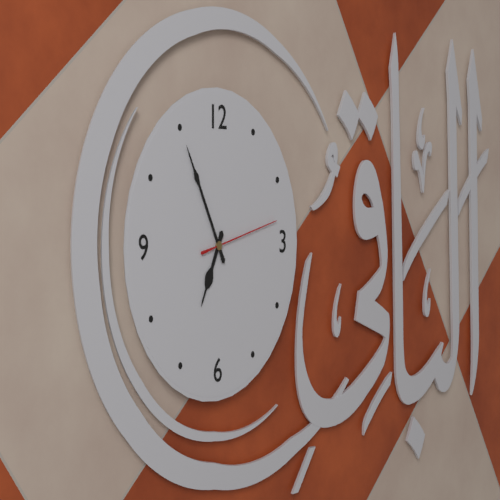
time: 6:55:13
